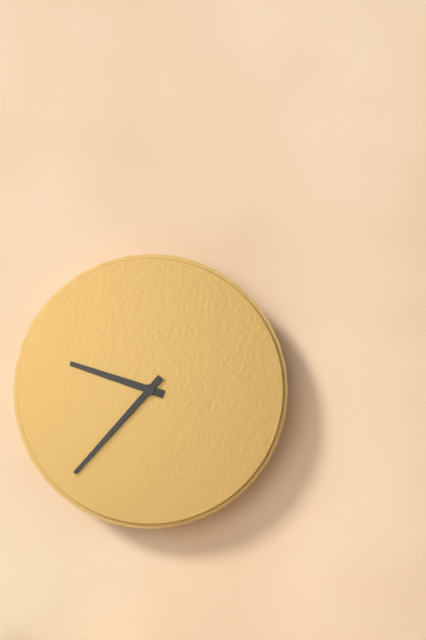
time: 9:37
